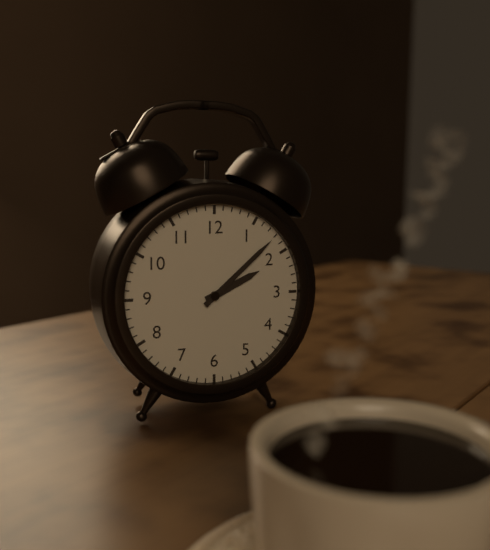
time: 2:08
